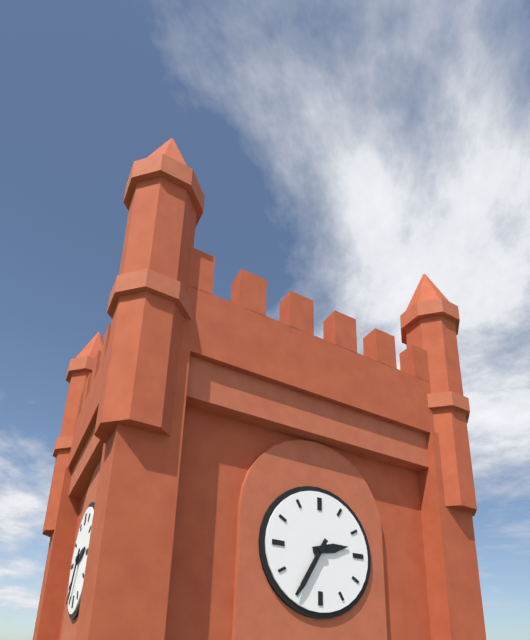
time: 2:35
